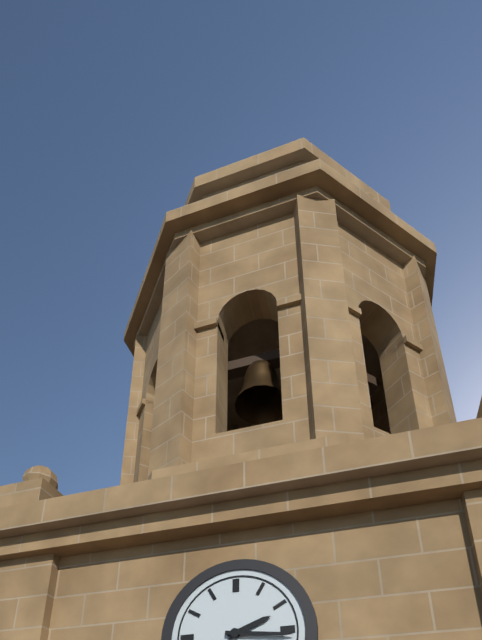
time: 2:16
